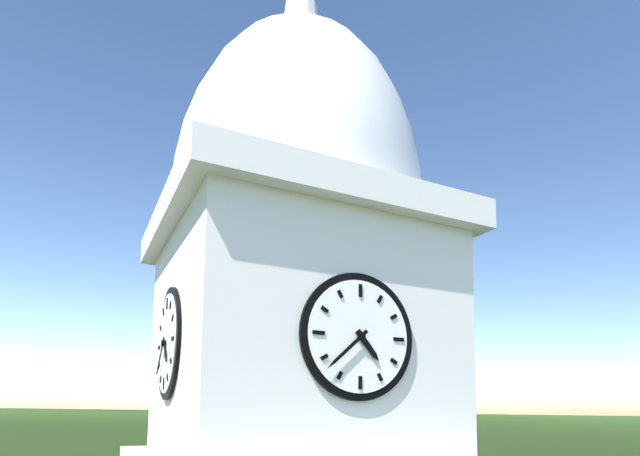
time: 4:38
